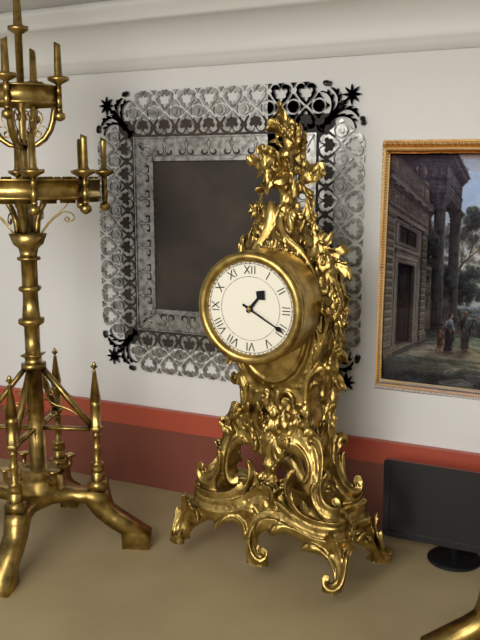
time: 1:20
